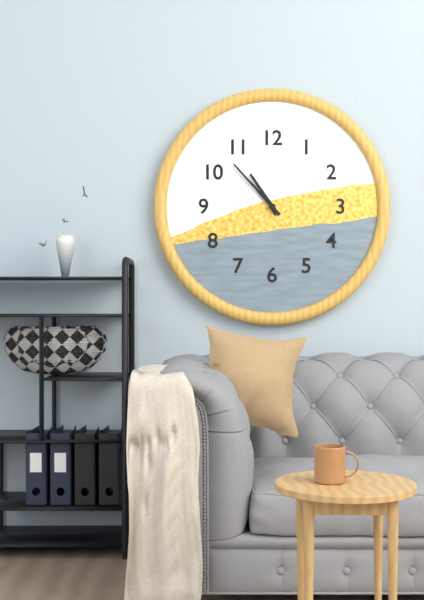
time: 10:53
